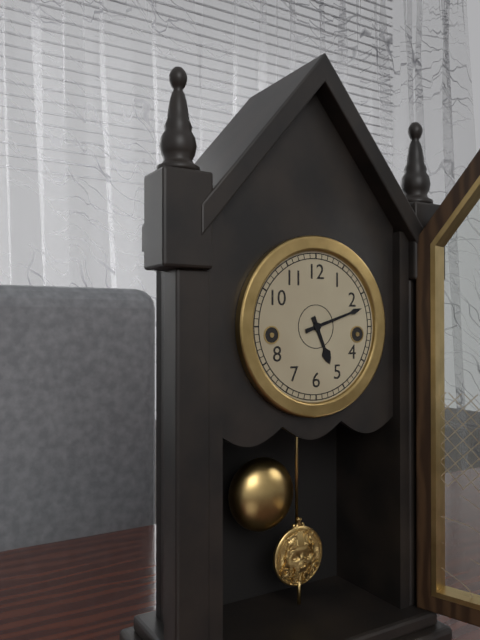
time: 5:12
